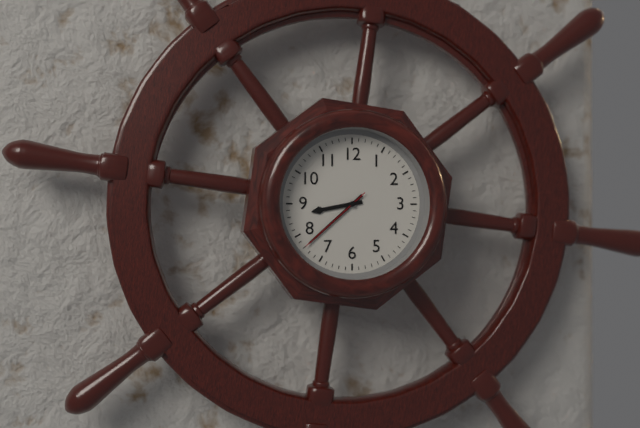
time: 8:38:38
